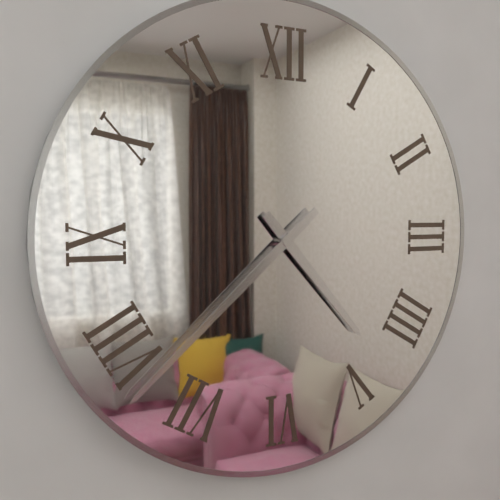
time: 4:38
